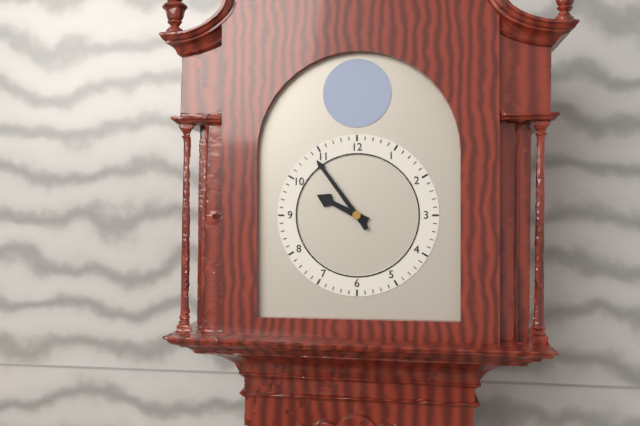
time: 9:54
